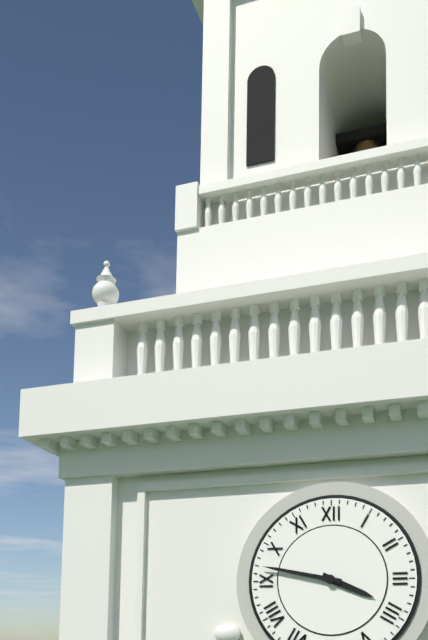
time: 3:47
